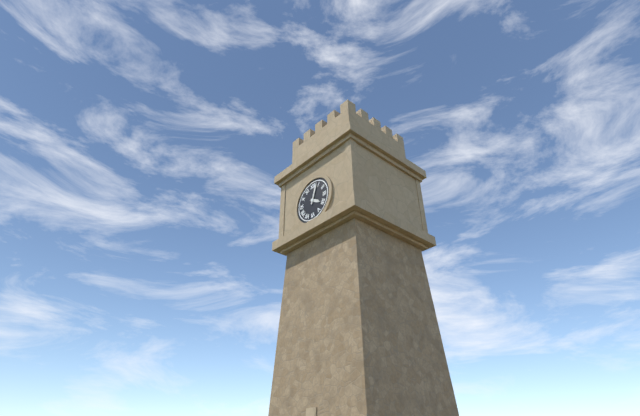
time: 4:03
